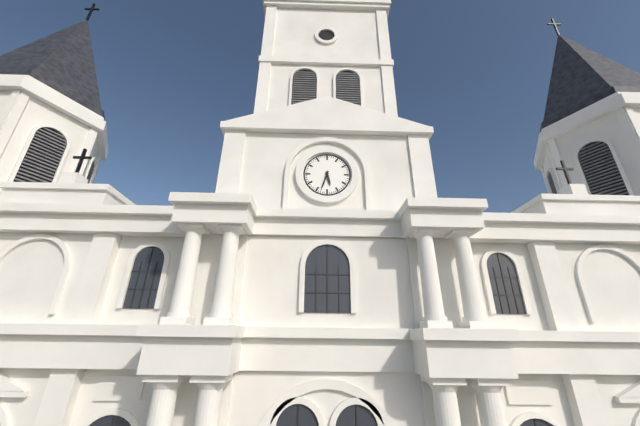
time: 5:33
